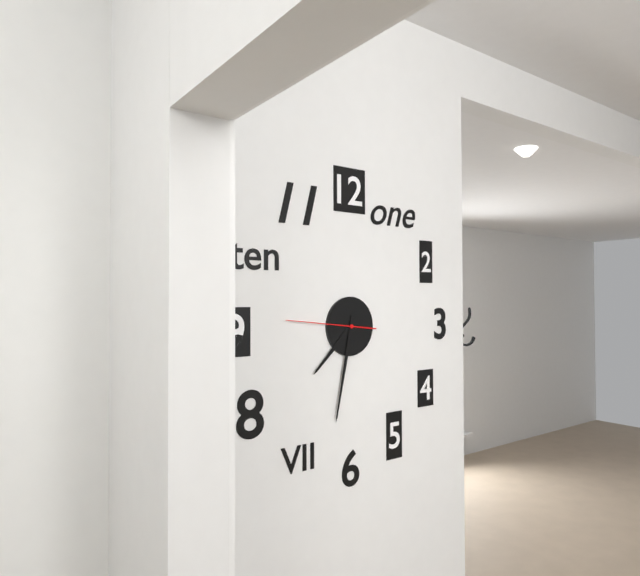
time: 7:32:46
